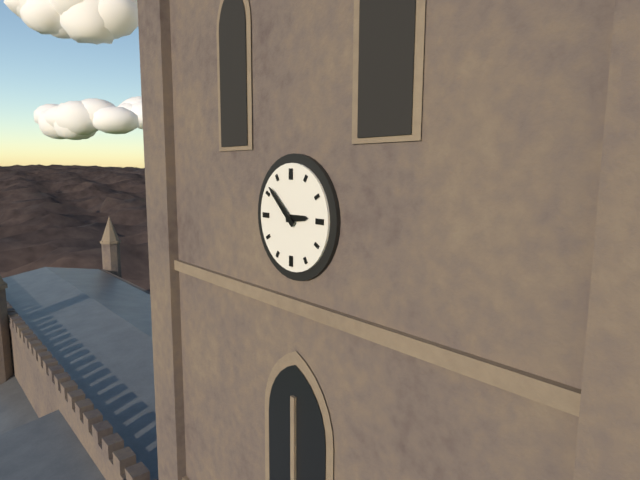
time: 2:52
